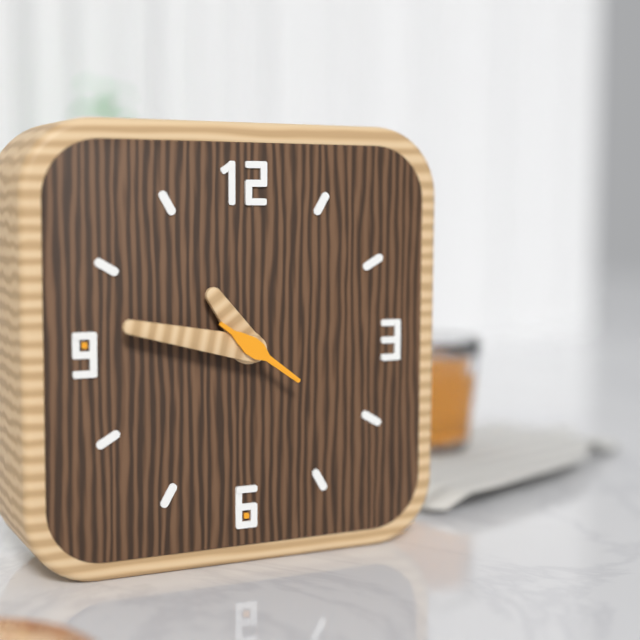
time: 10:47:21
